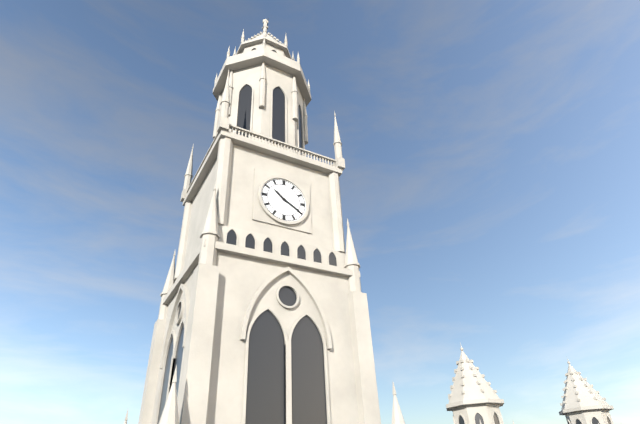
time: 10:20
